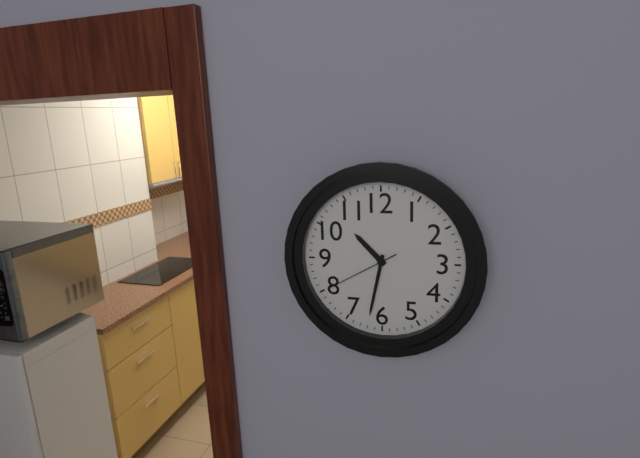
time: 10:32:40
